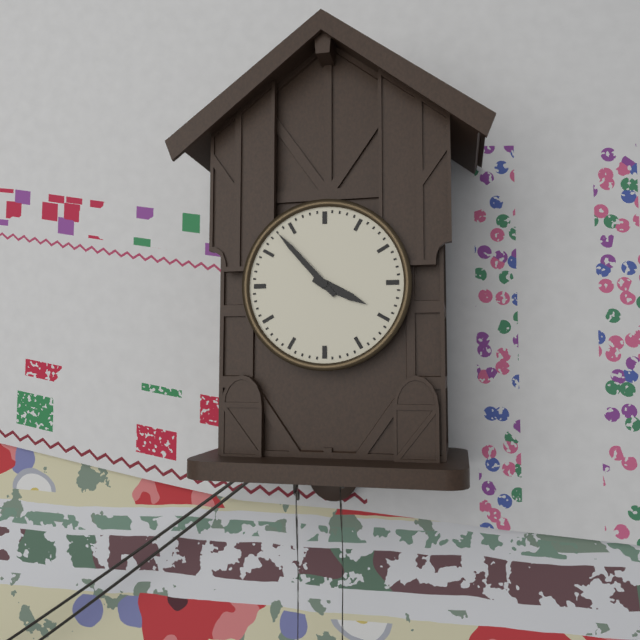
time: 3:53
